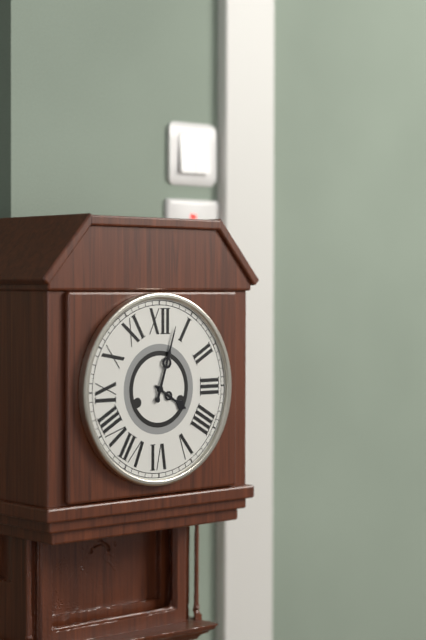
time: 4:03
